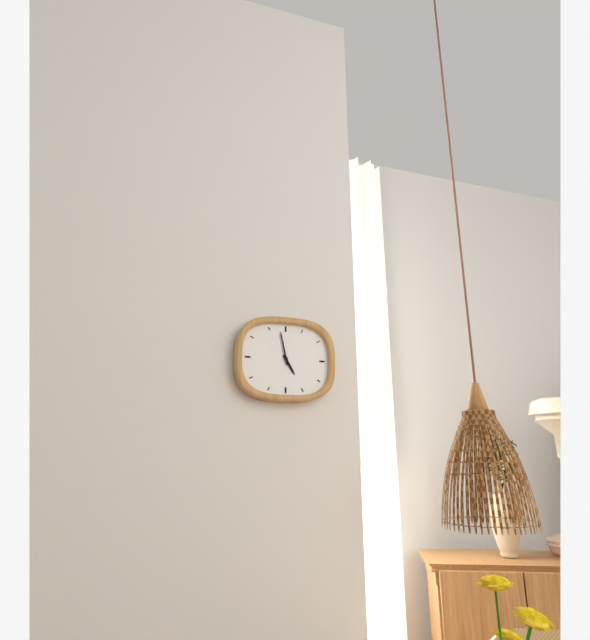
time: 4:58
